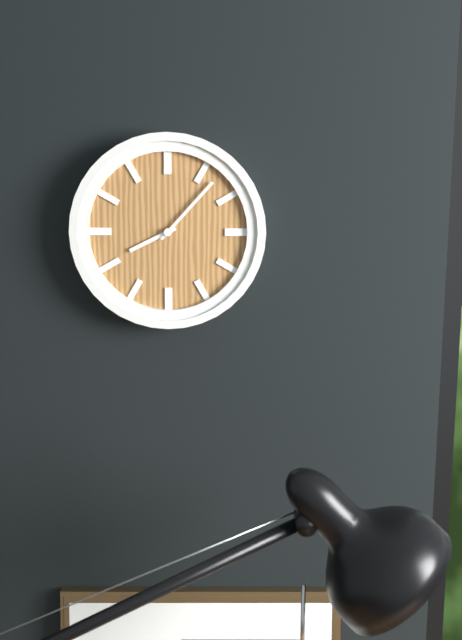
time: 8:07
